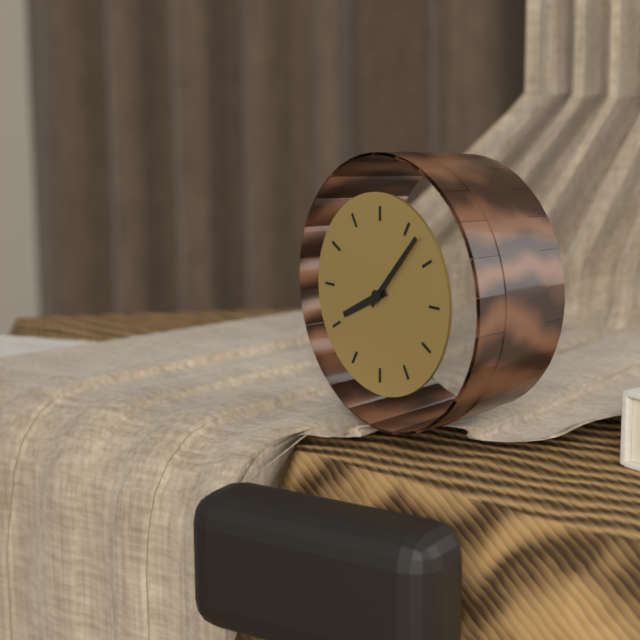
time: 8:07
